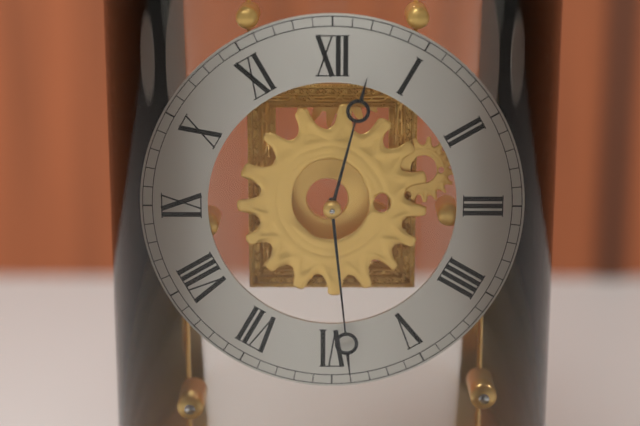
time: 12:29
